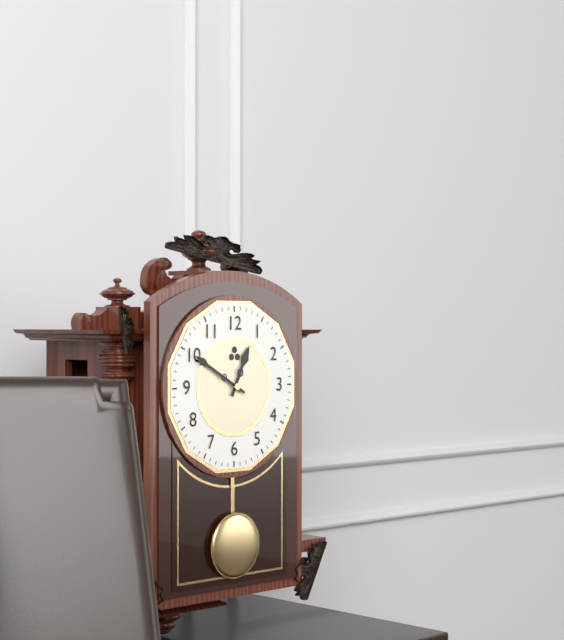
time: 12:50
